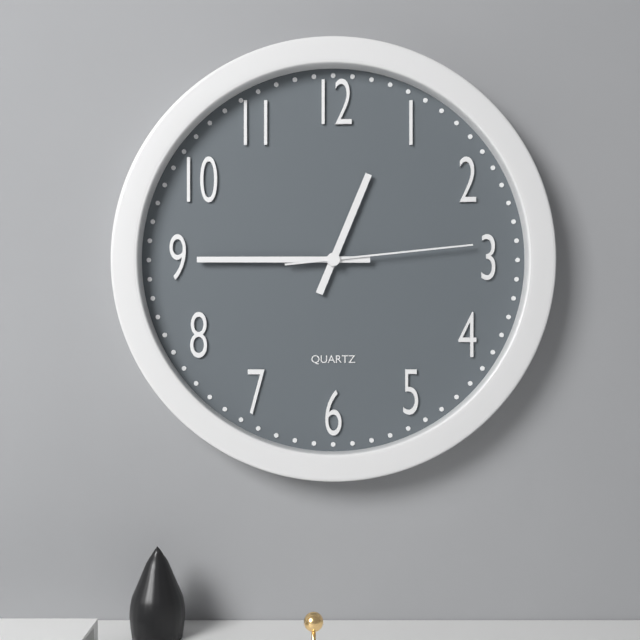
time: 12:45:14
